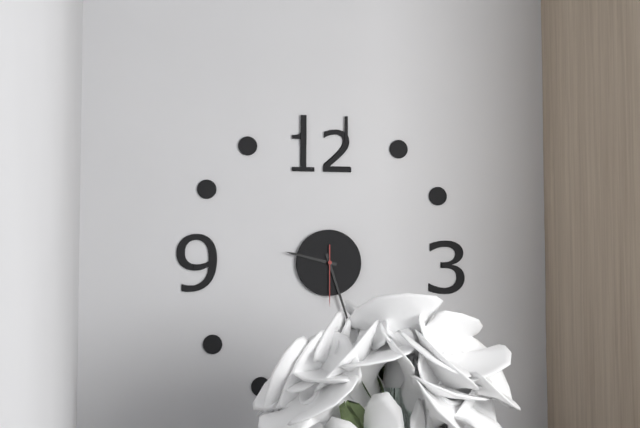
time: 9:27:30
